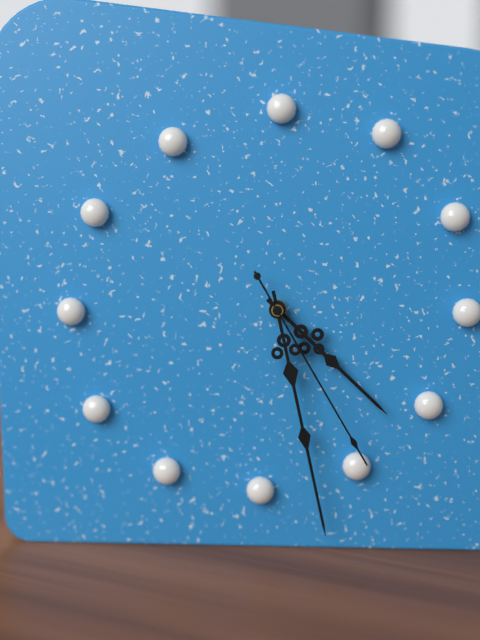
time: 4:28:25
